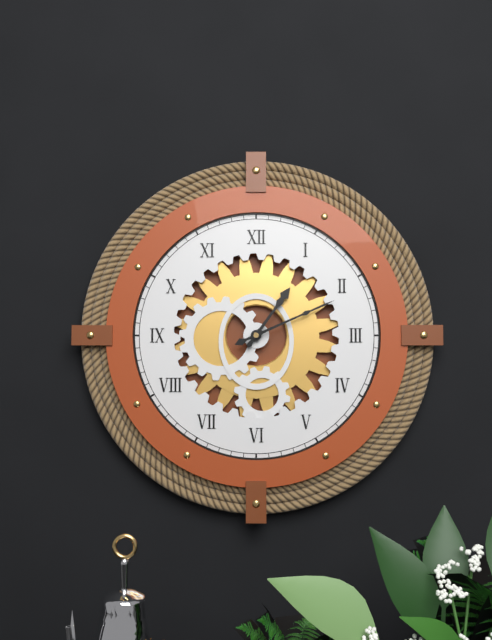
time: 1:11
